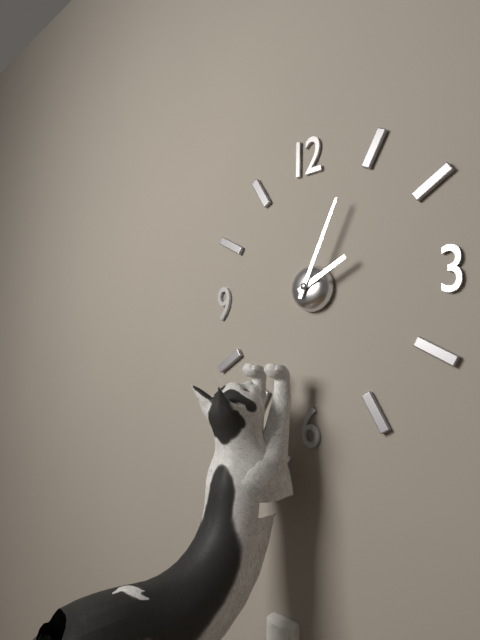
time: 2:04
